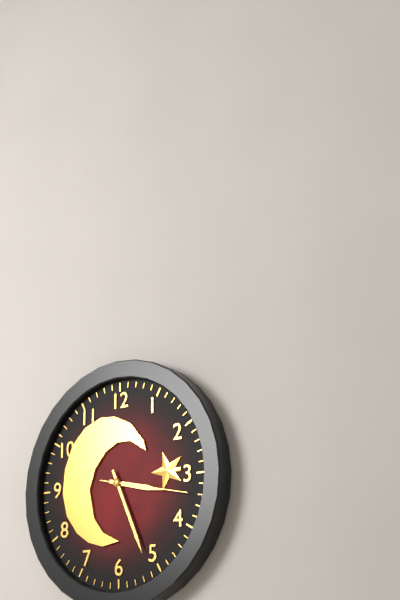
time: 3:26:17
